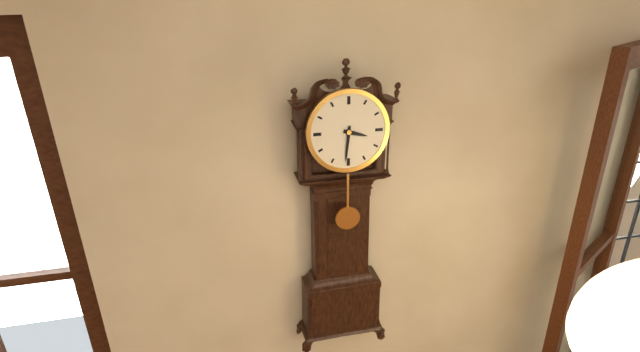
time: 3:31
